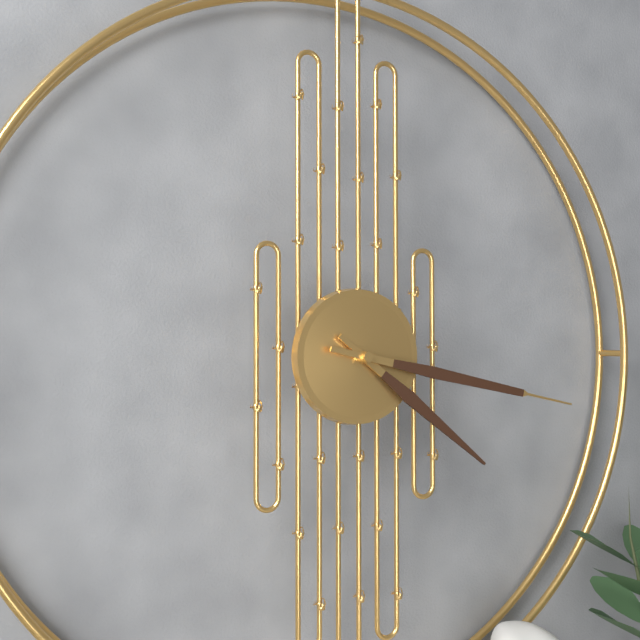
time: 4:17
